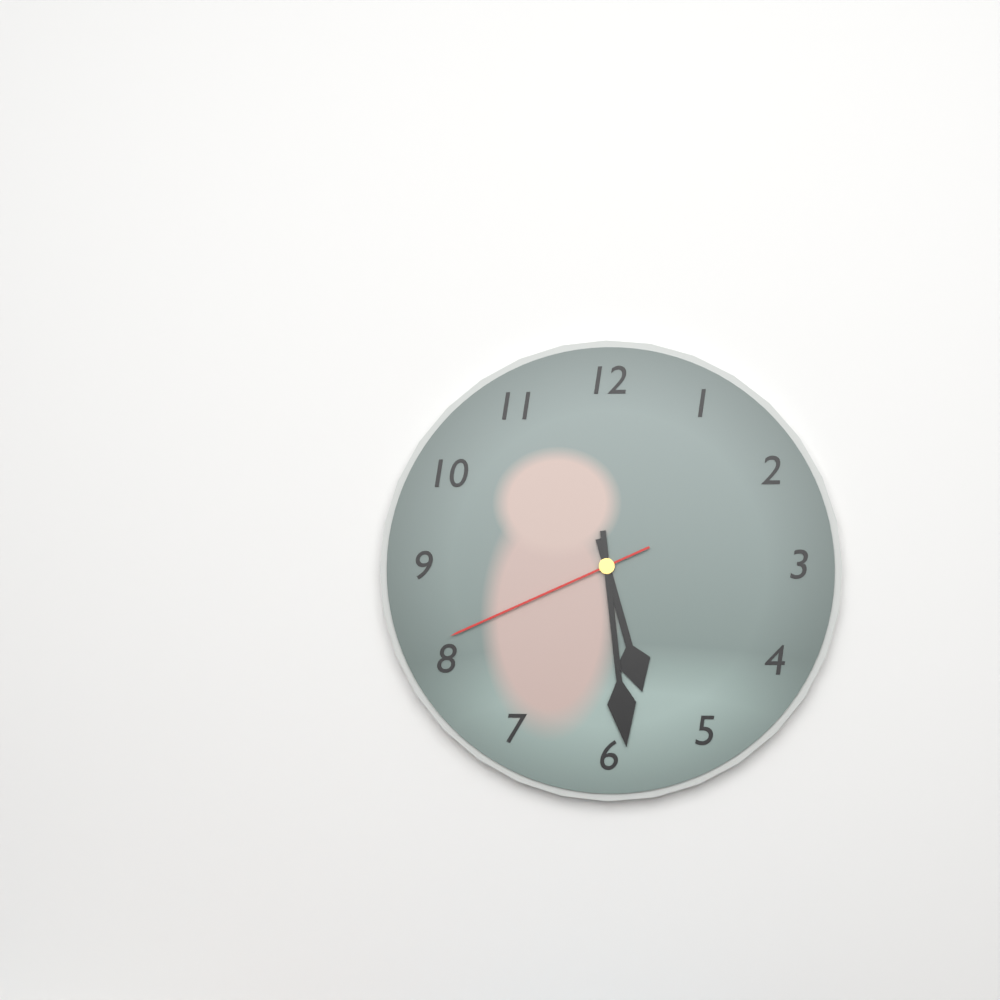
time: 5:29:41
